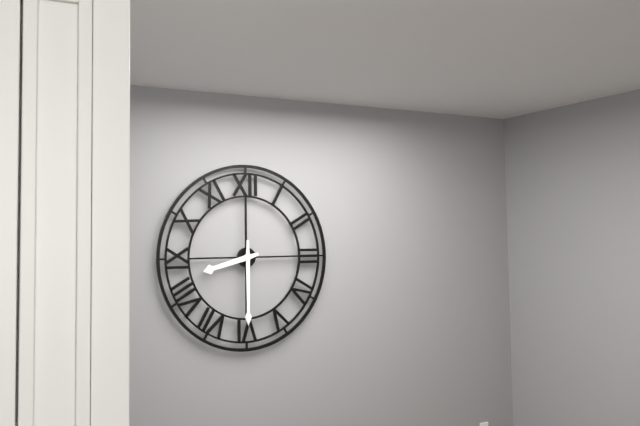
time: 8:30
